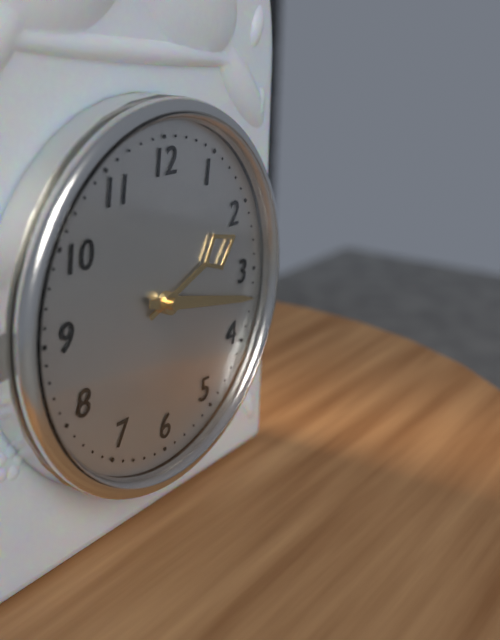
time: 2:17
